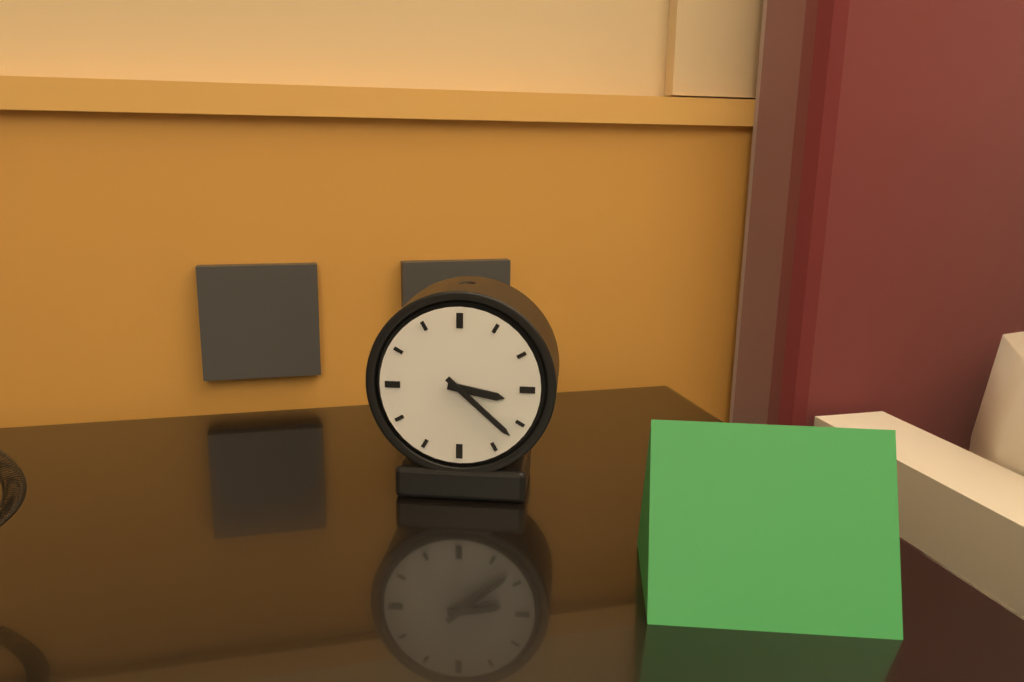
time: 3:22
